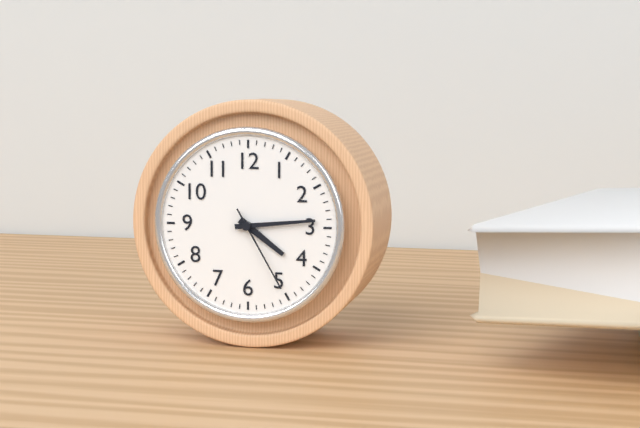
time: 4:14:25
